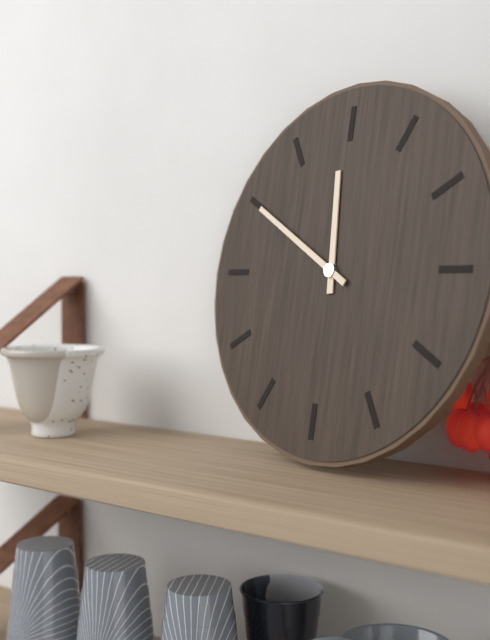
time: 11:50
